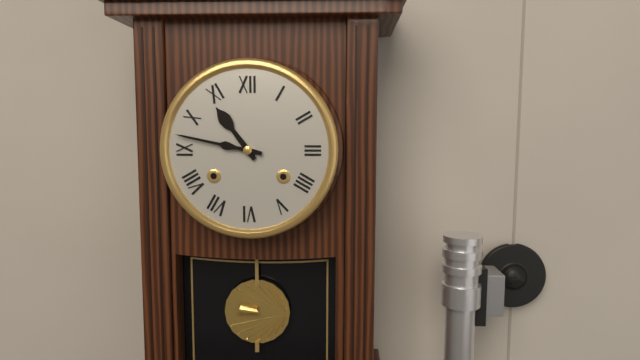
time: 10:47
